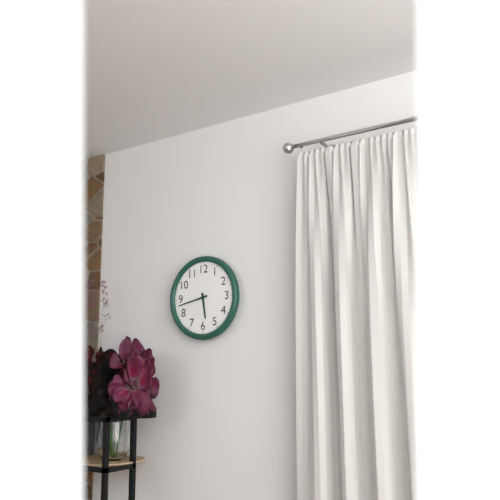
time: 5:43
